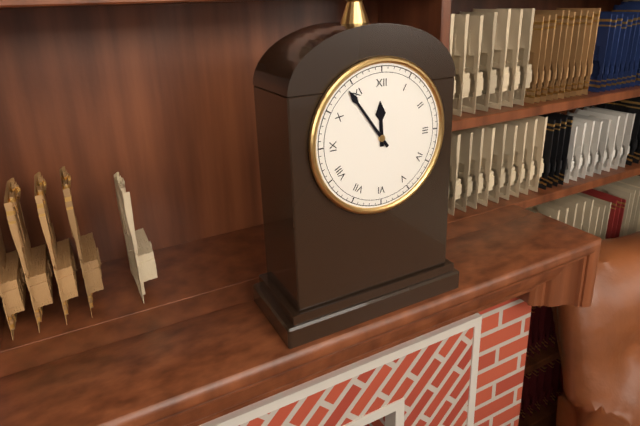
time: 11:54
